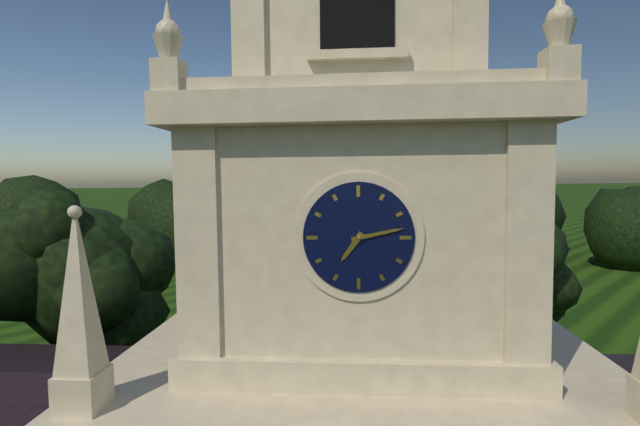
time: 7:13
